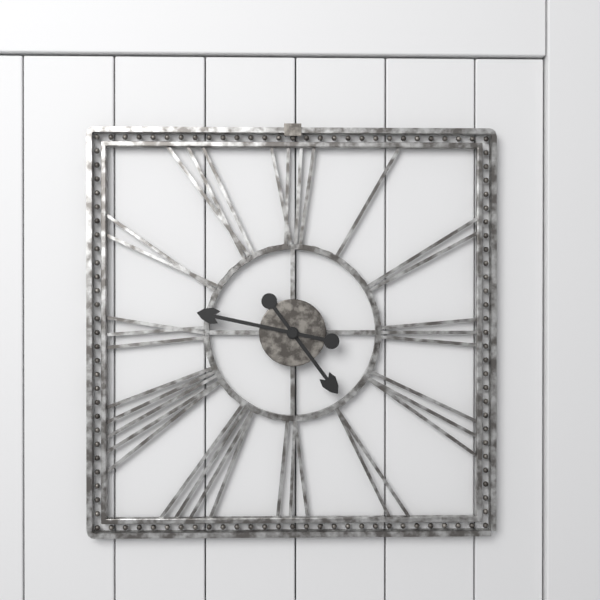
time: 4:47
